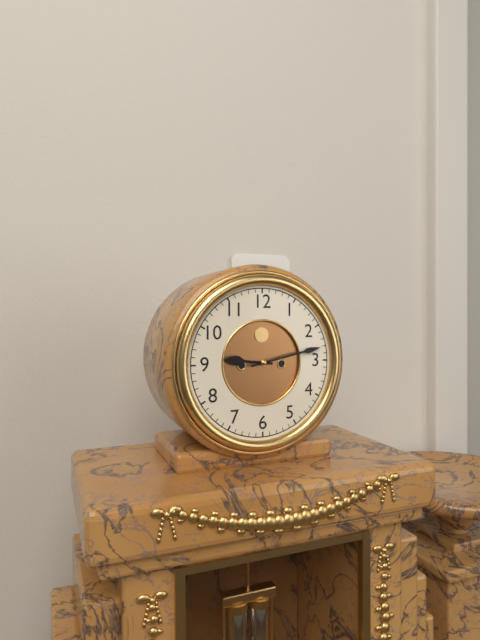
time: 9:13
